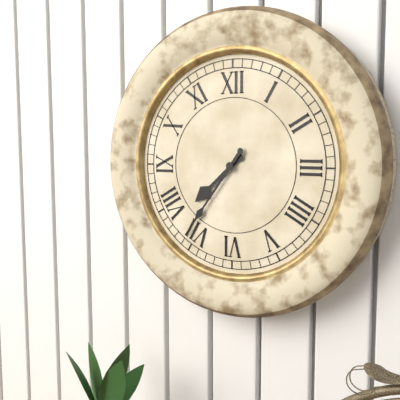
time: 7:36
